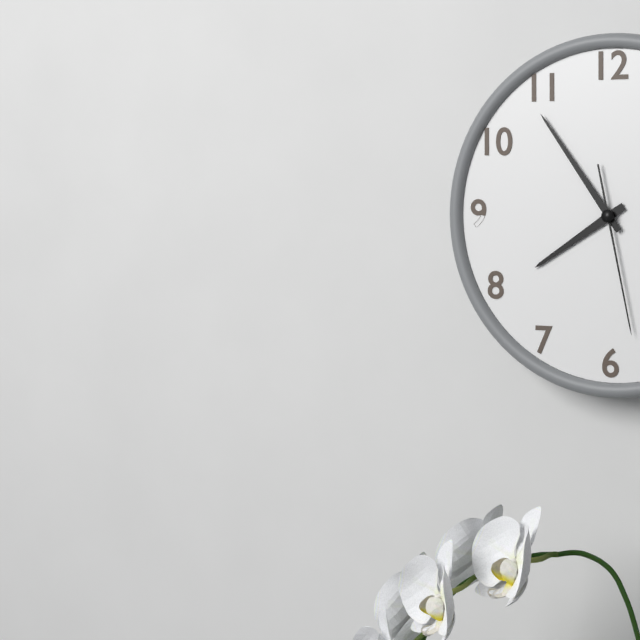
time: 7:54:28
